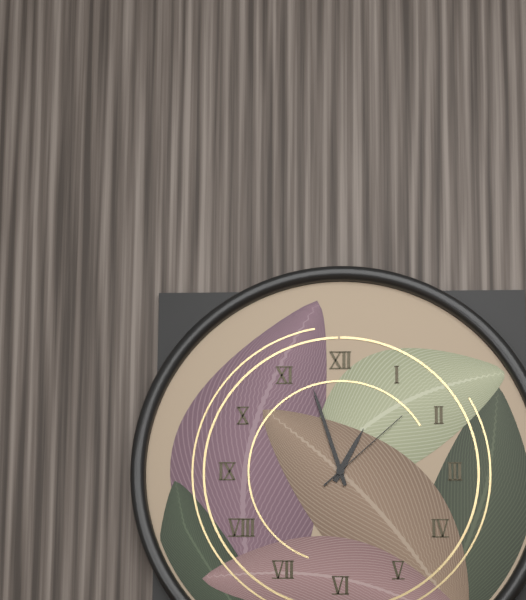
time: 12:57:08
